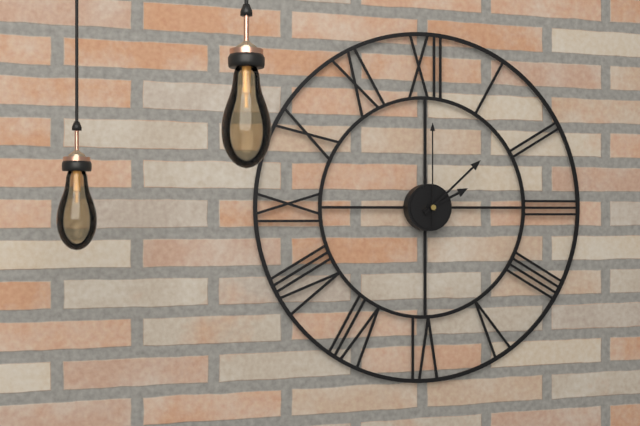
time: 2:08:00
